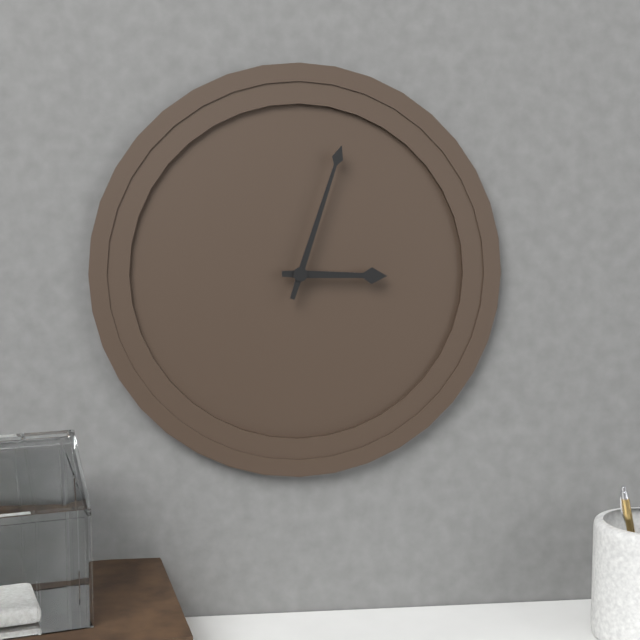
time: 3:03
